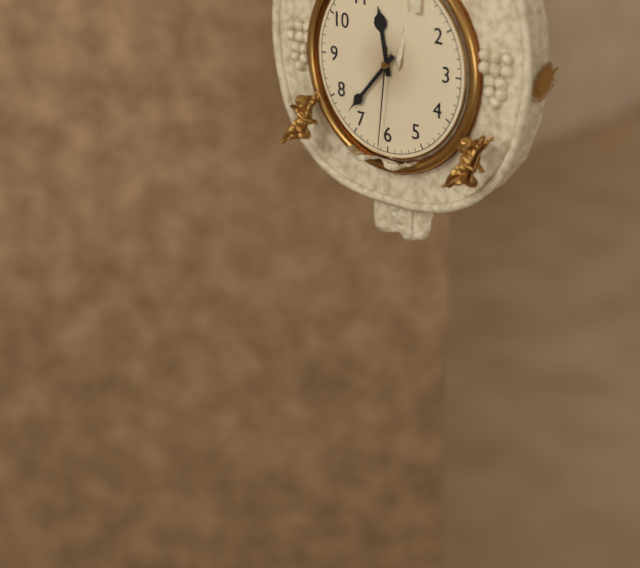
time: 11:37:31
